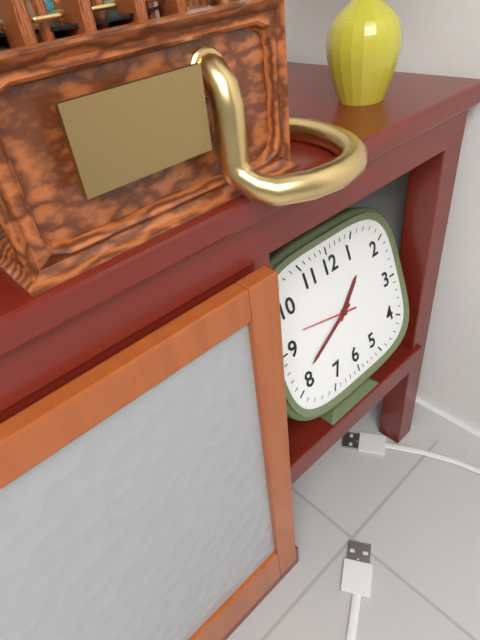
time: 1:41
